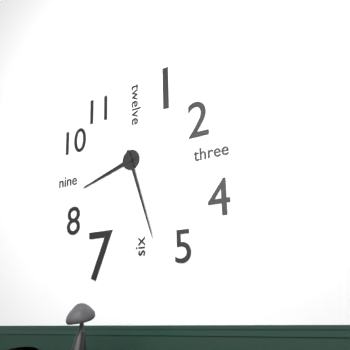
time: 8:27
